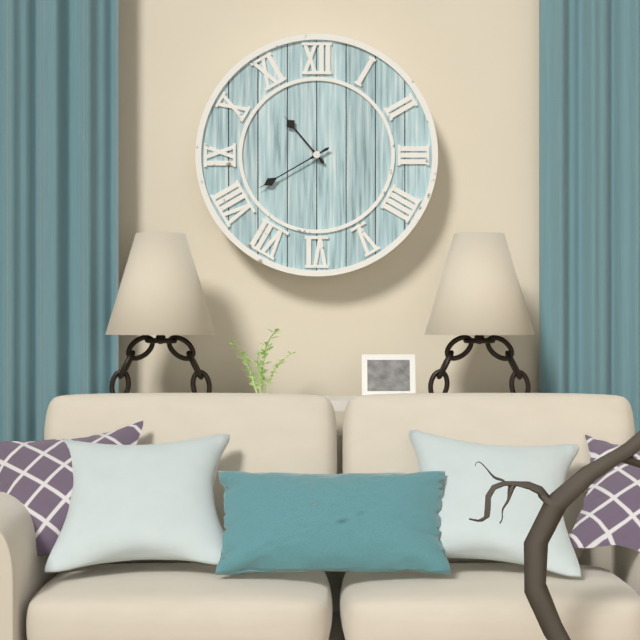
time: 10:40
